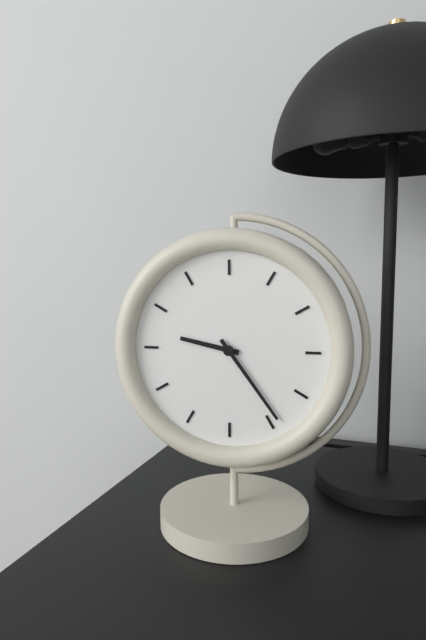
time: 9:24
